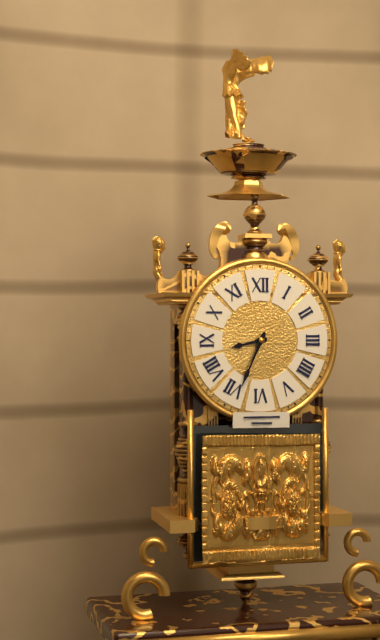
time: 8:34
